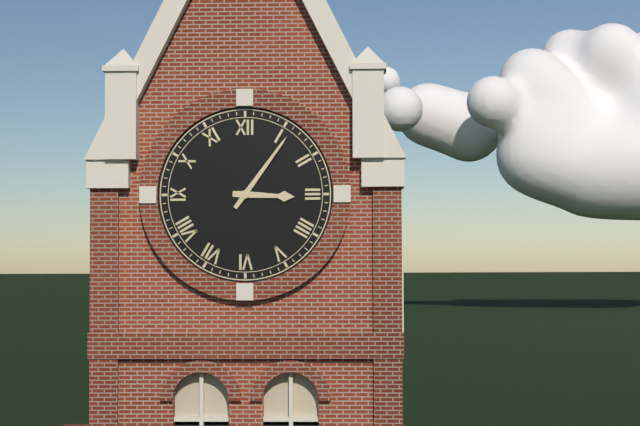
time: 3:06
